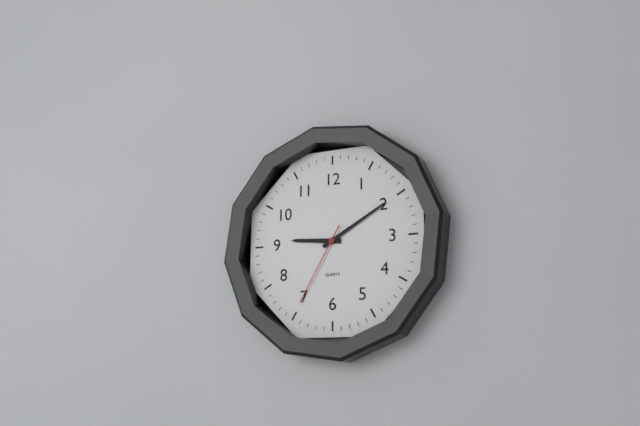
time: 9:10:35
